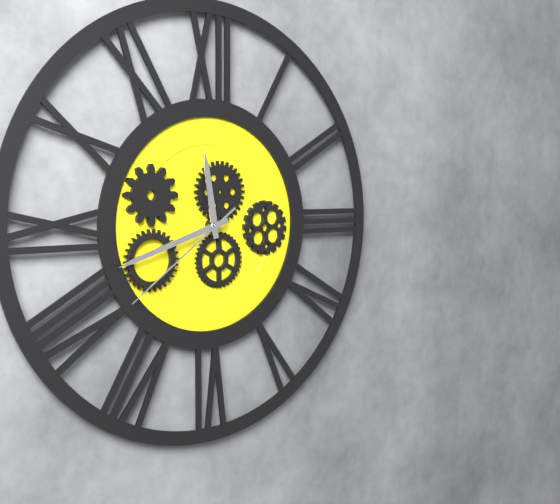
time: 11:42:39
